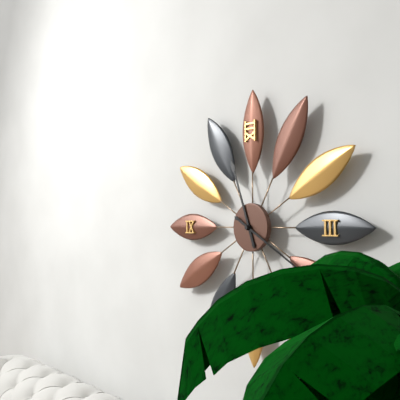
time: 11:20
